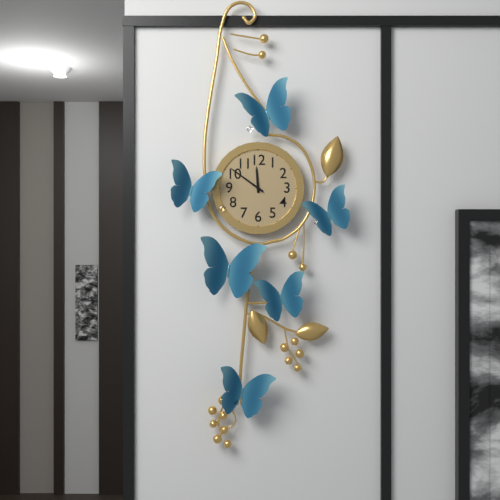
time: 11:51
